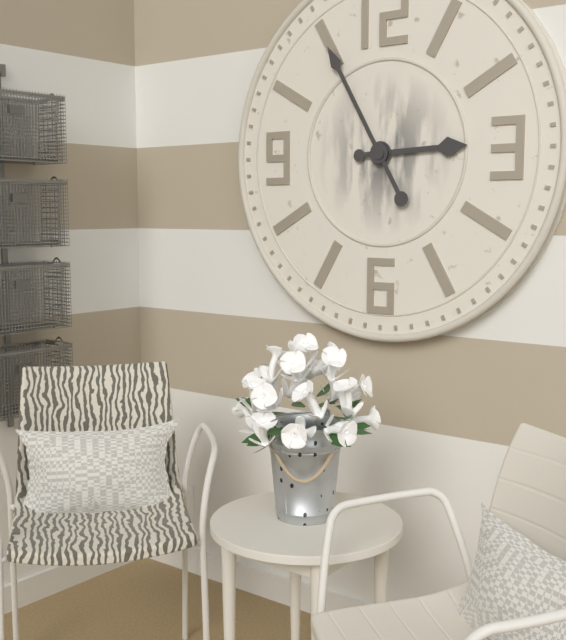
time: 2:55
